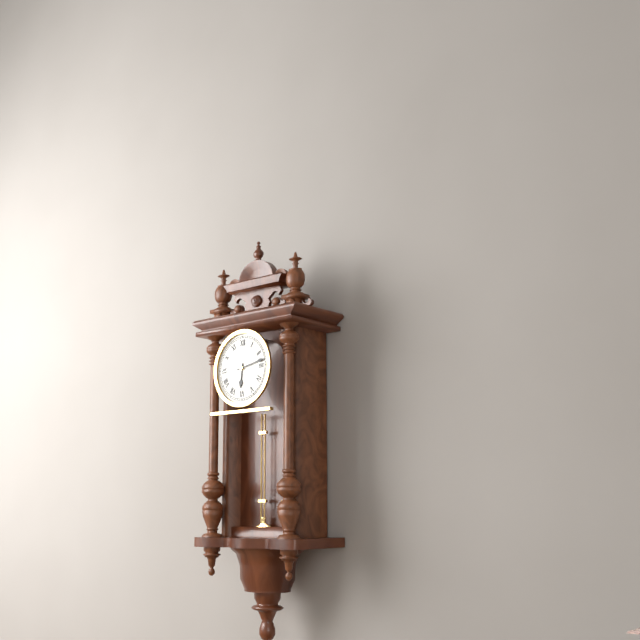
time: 6:13
